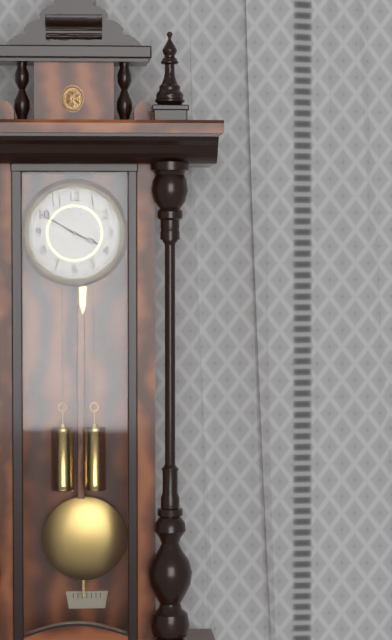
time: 3:50
